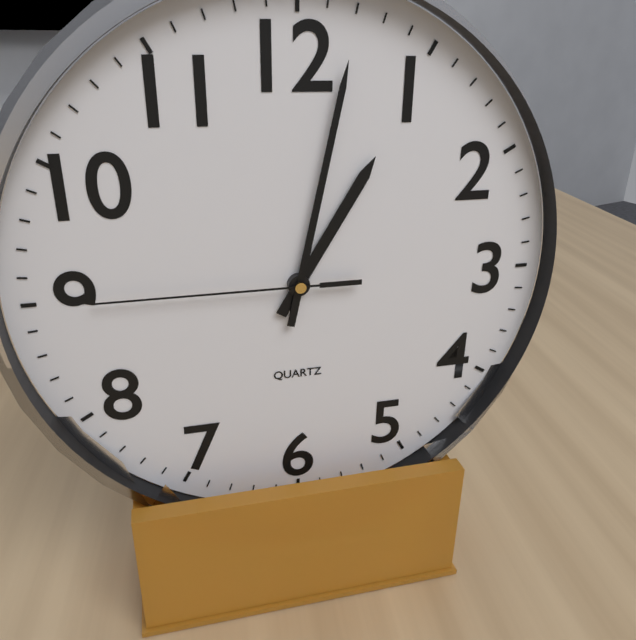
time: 1:02:45
